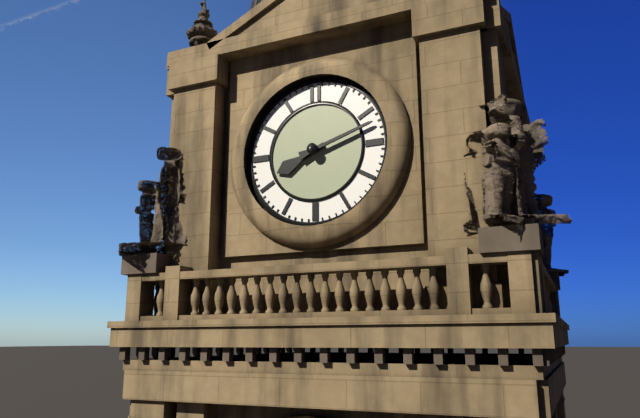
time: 8:12
